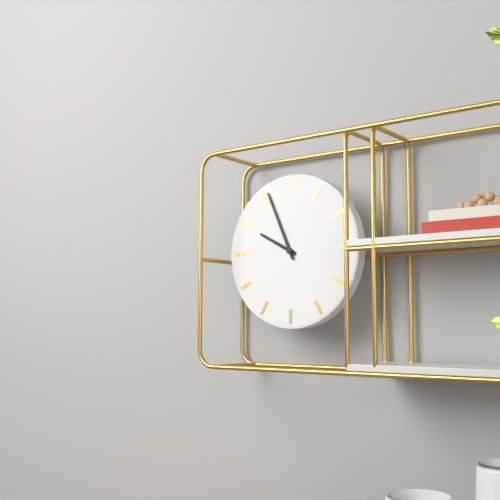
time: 9:56
